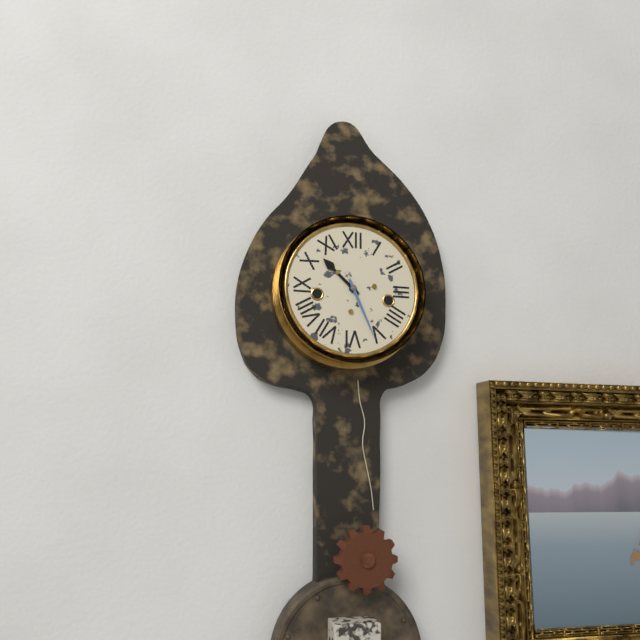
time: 10:26
